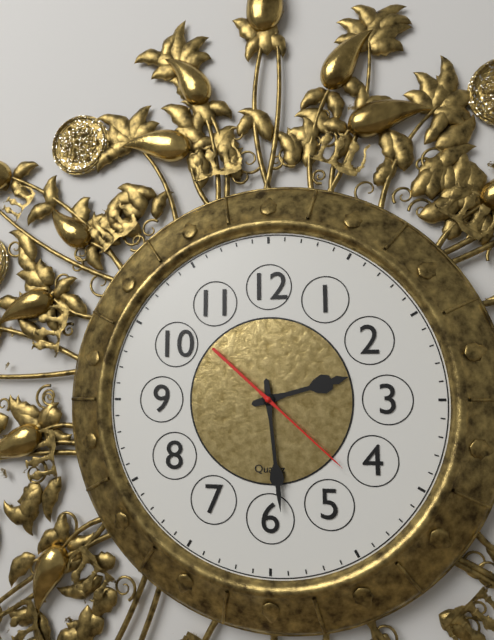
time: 2:29:22
